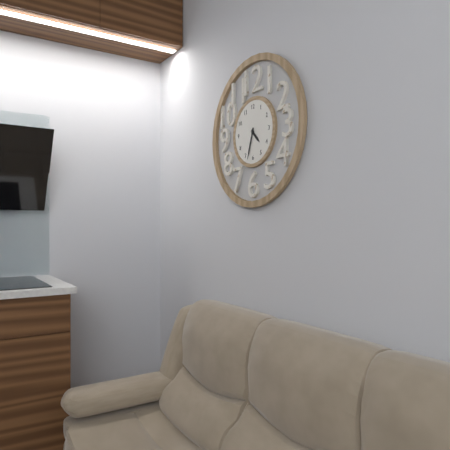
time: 4:33
